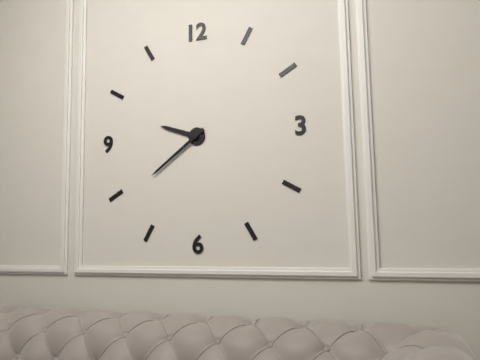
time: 9:39
